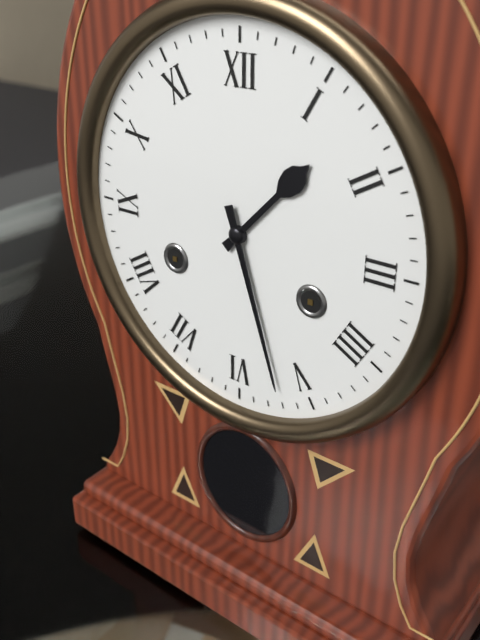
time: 1:27
